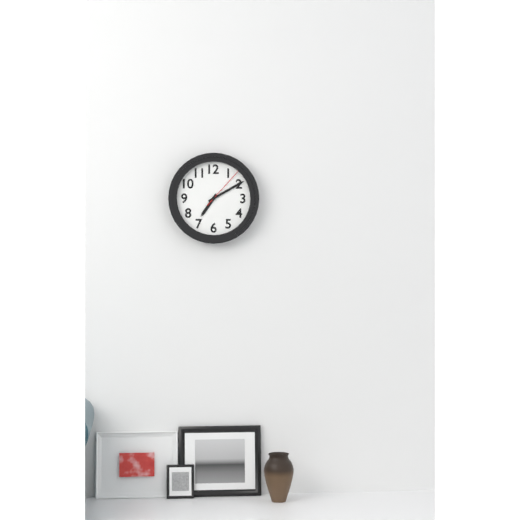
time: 7:10
